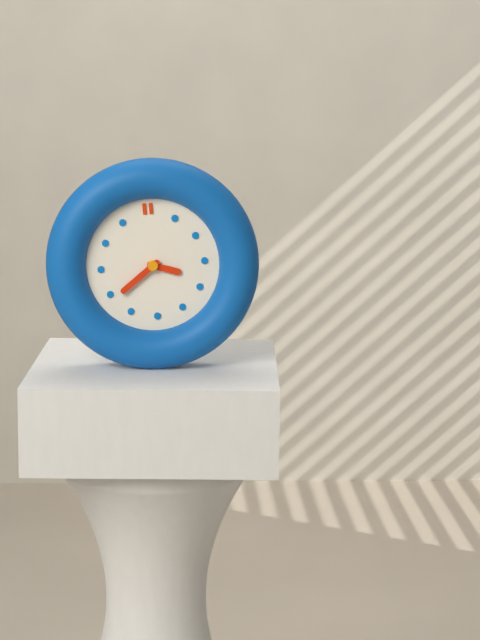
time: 3:39
